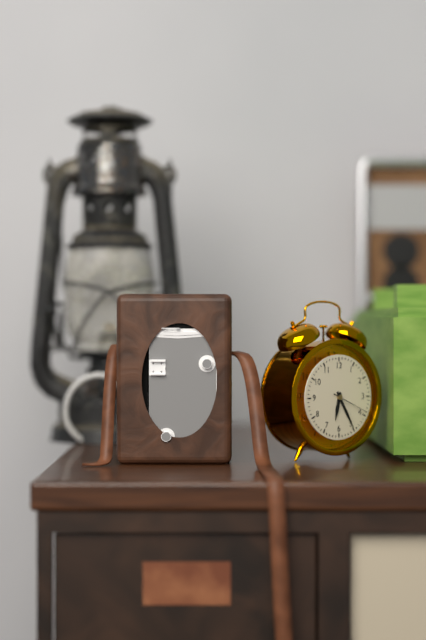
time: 6:25
